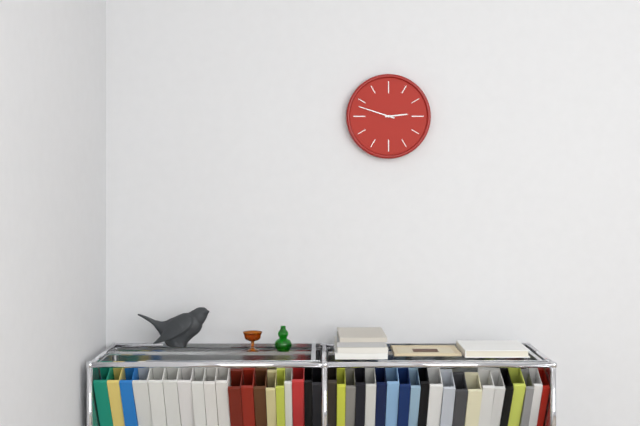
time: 2:48
